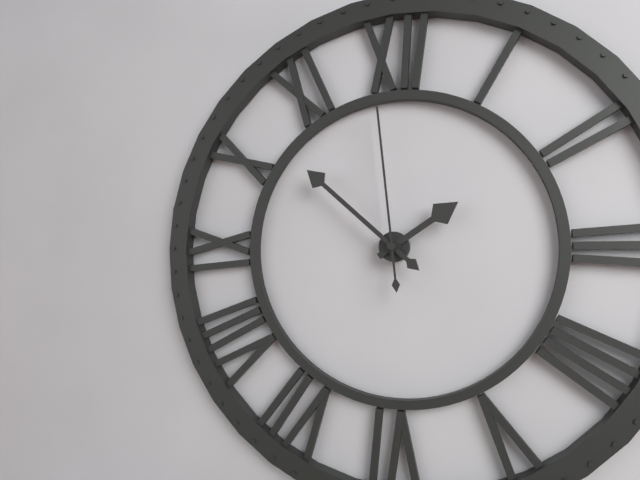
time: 1:52:59
